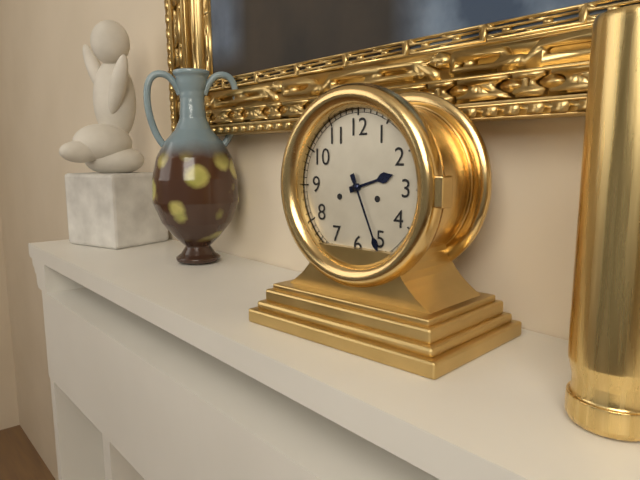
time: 2:26
